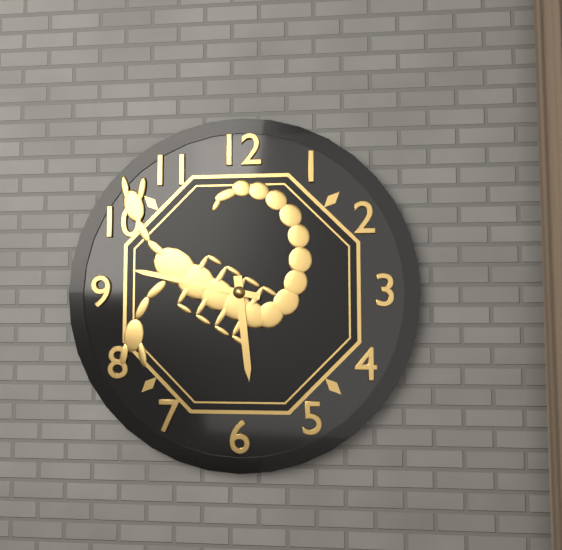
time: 5:47
